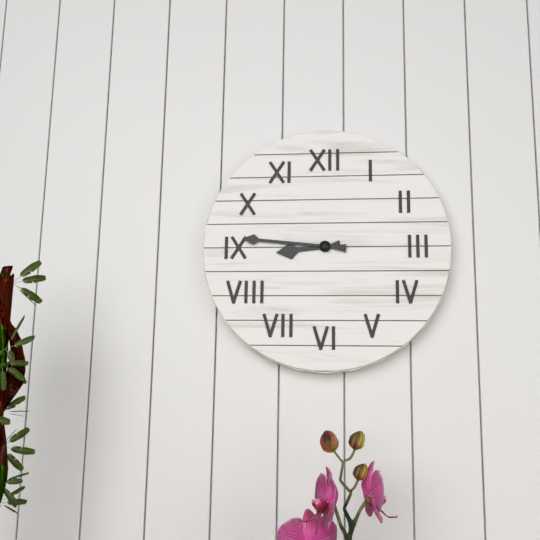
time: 8:46
